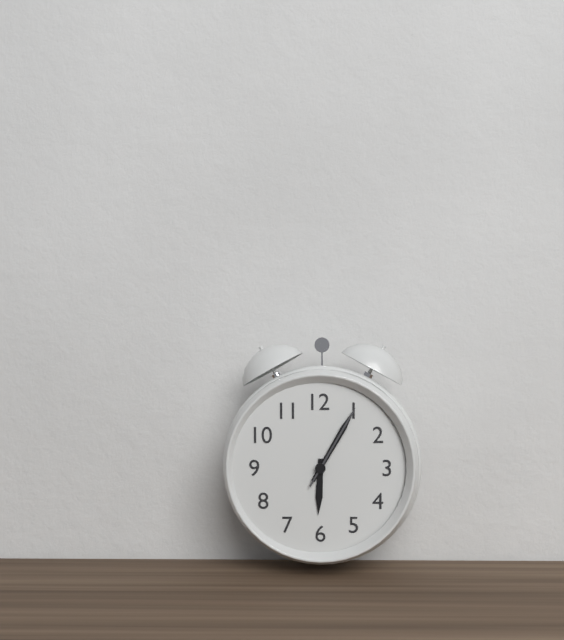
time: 6:05:05
